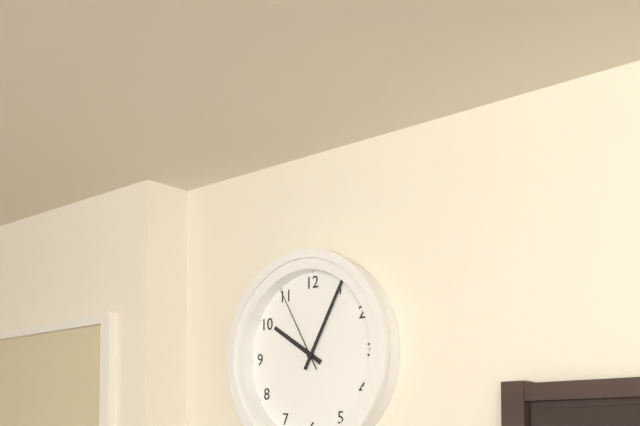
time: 10:05:55
